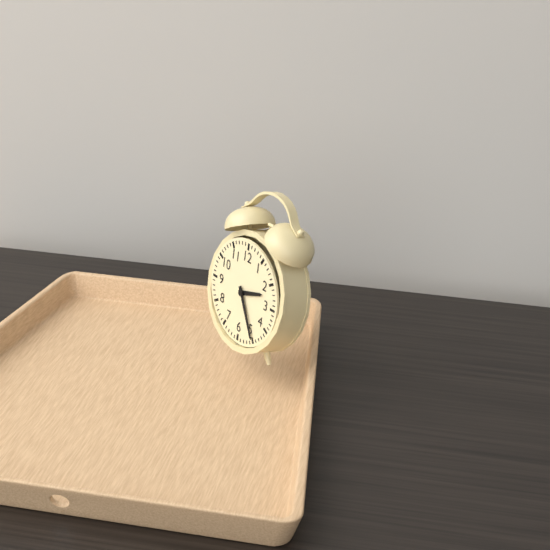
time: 2:25
